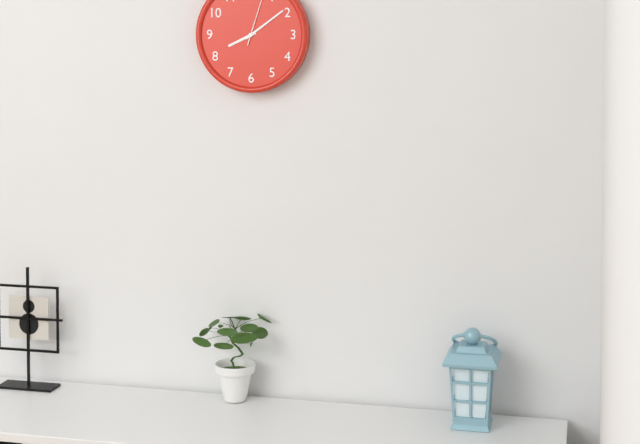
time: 8:09
